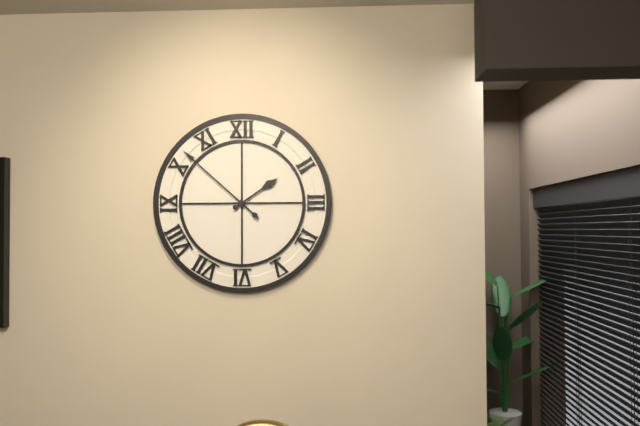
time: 1:52
